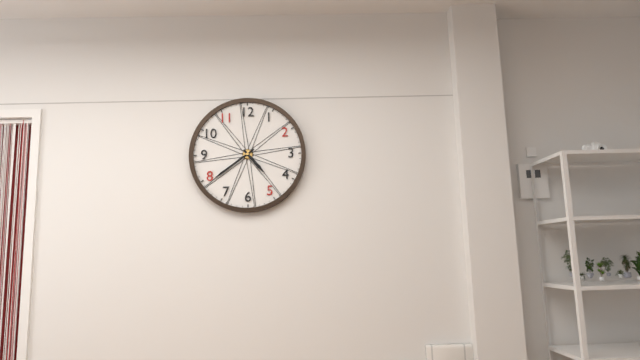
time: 4:39
